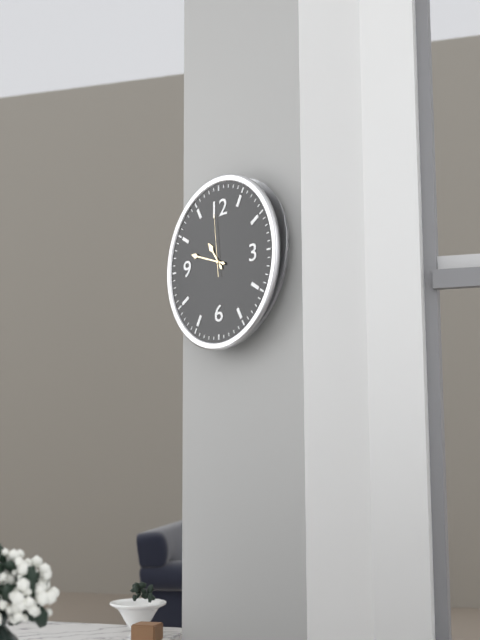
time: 10:48:59
